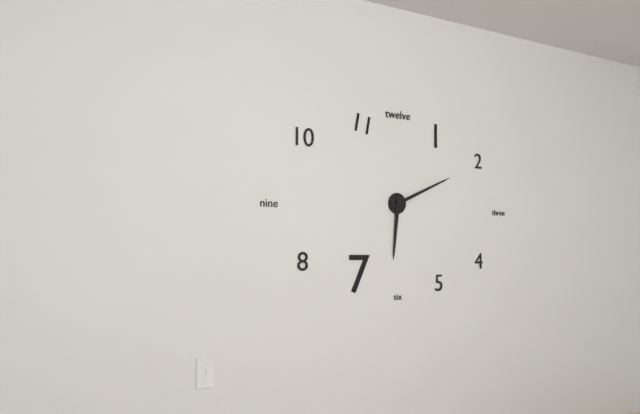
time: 6:11
